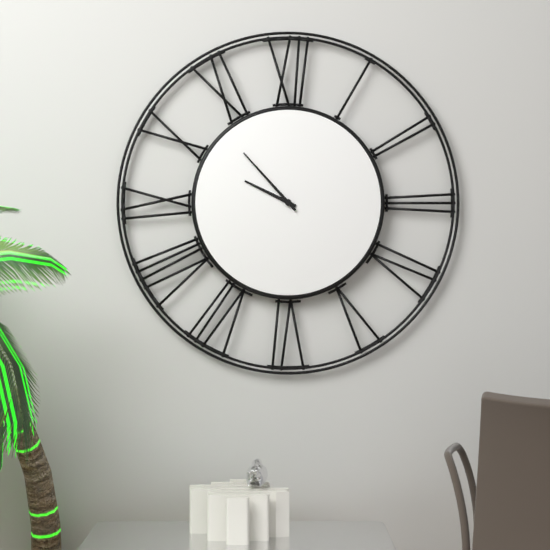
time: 9:53
